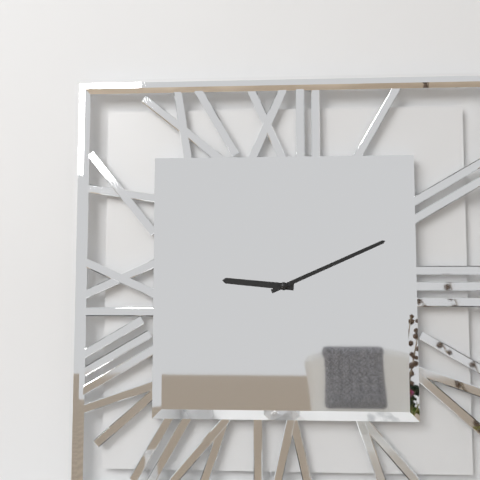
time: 9:11
